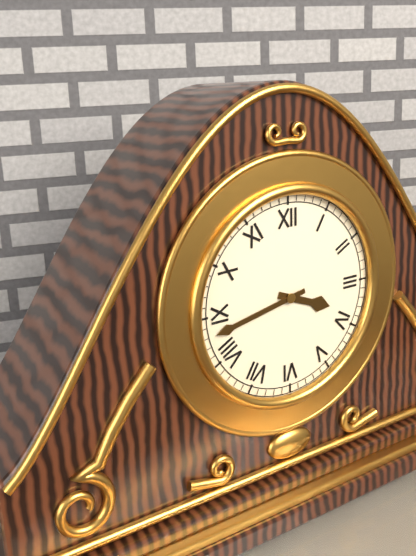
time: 3:43
